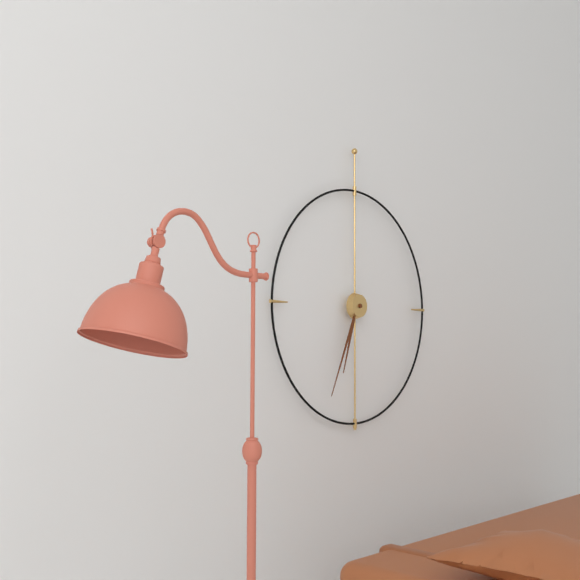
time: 6:34
